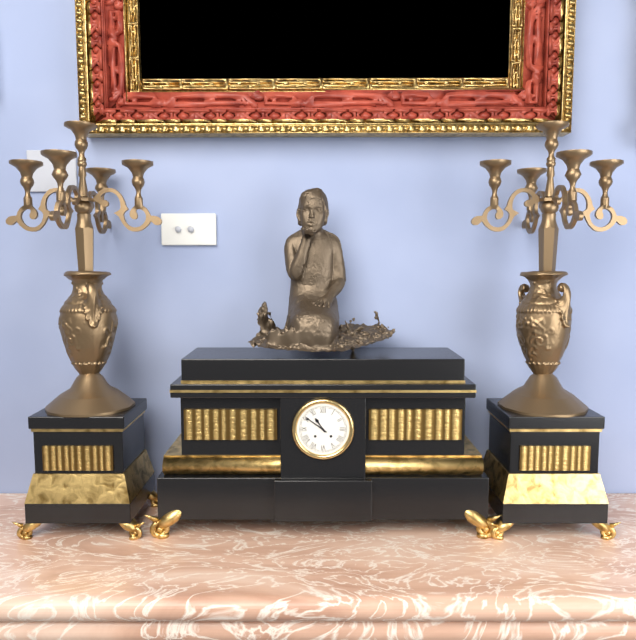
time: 10:51
